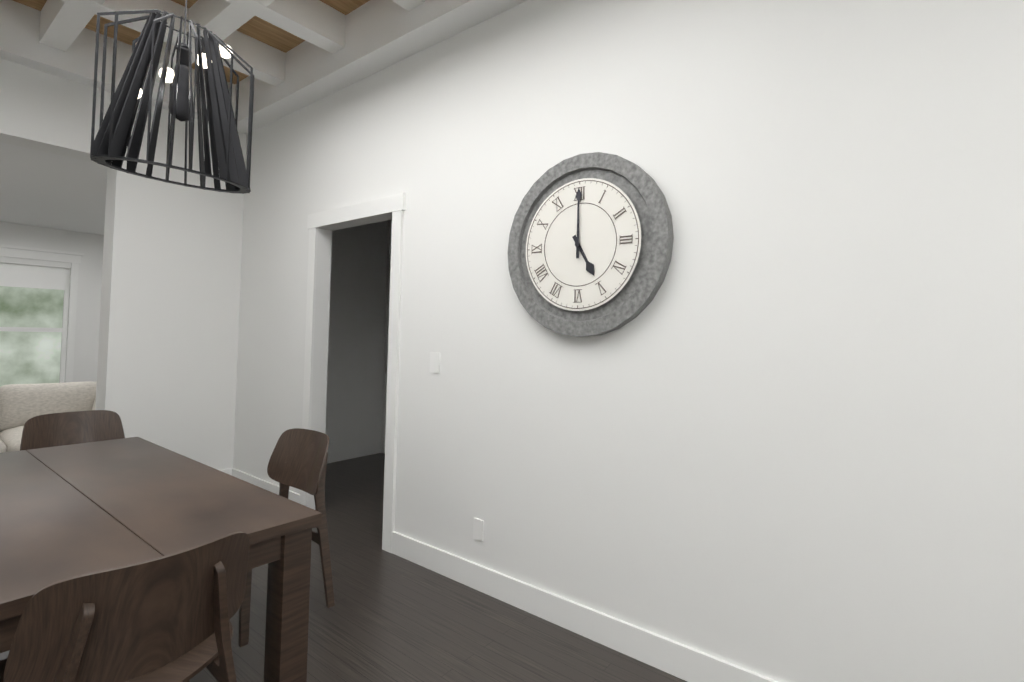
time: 5:00
